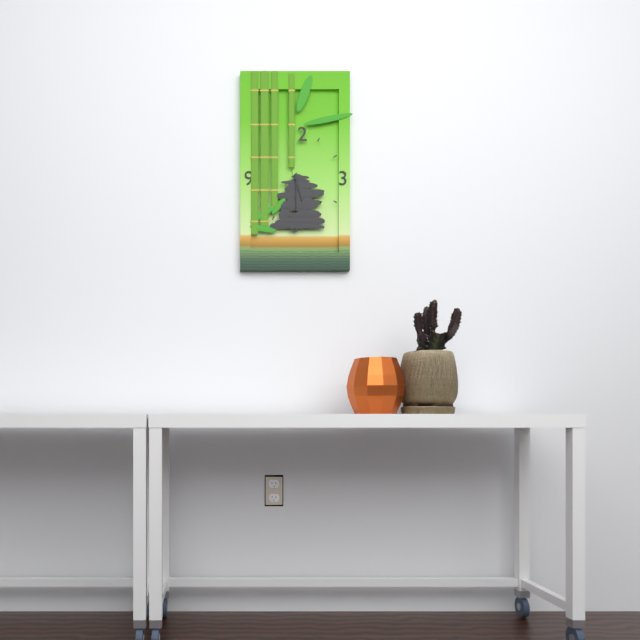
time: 5:30
